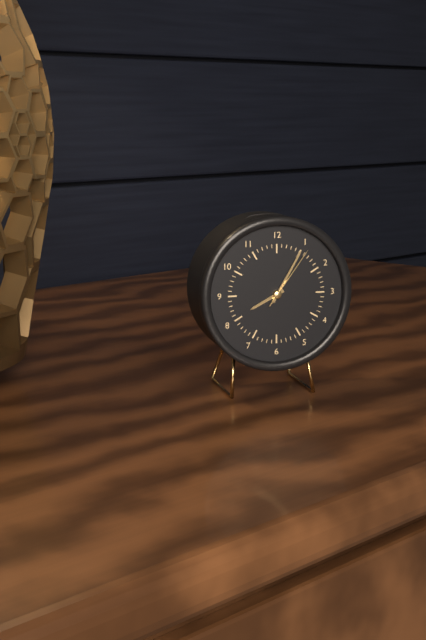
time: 8:05:06
